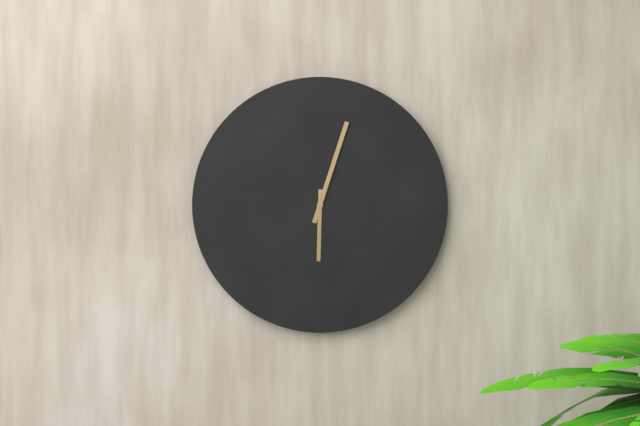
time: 6:03
